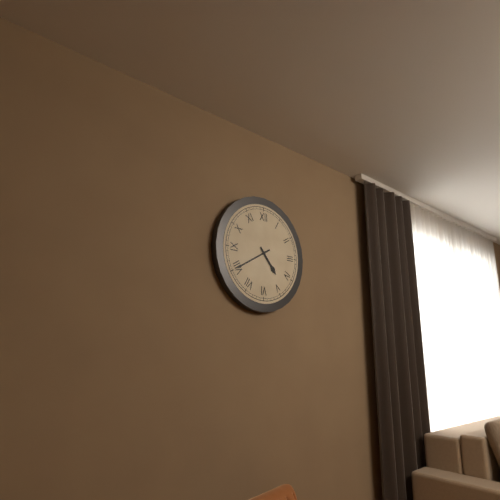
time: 4:40
